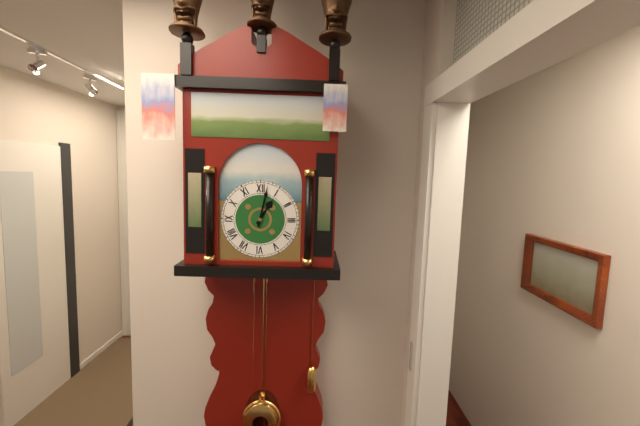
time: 1:02
